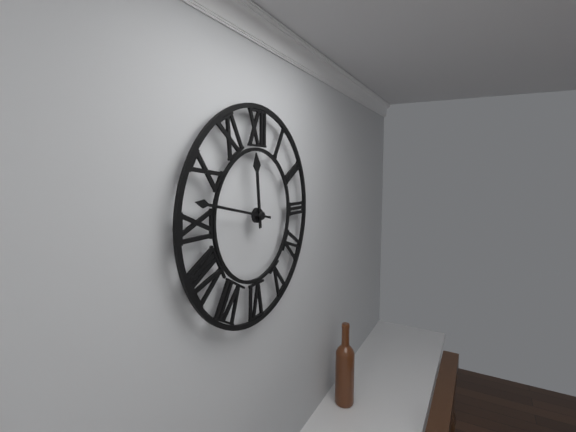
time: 11:47
